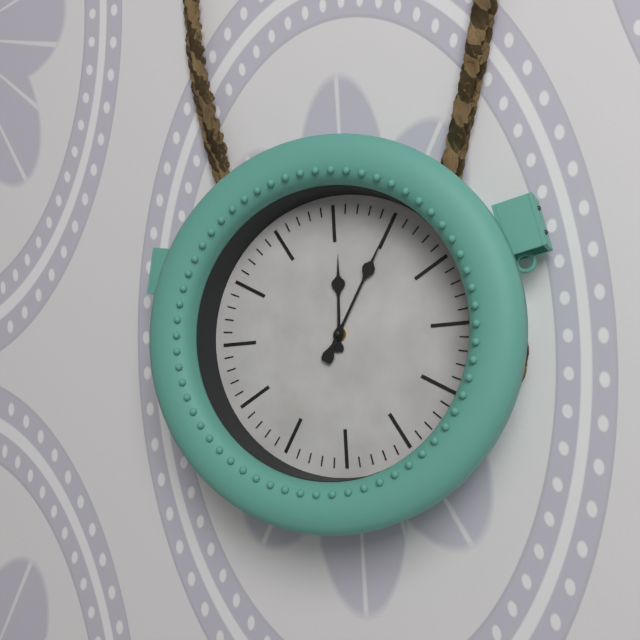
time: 12:05
